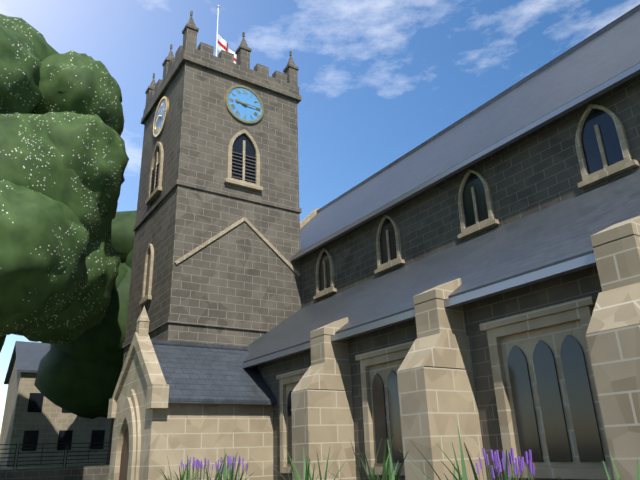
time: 9:15
